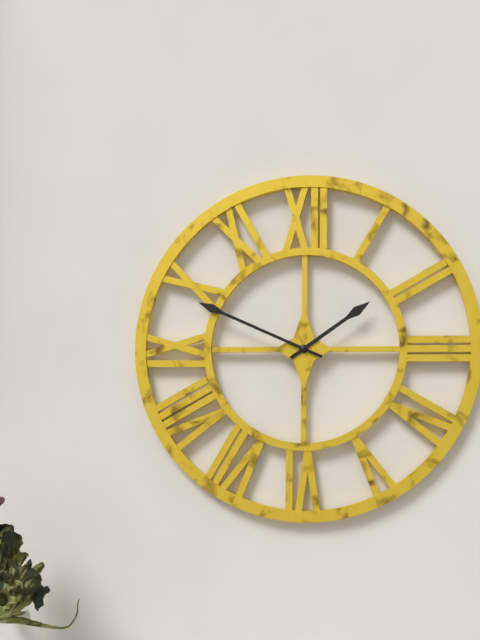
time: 1:49
